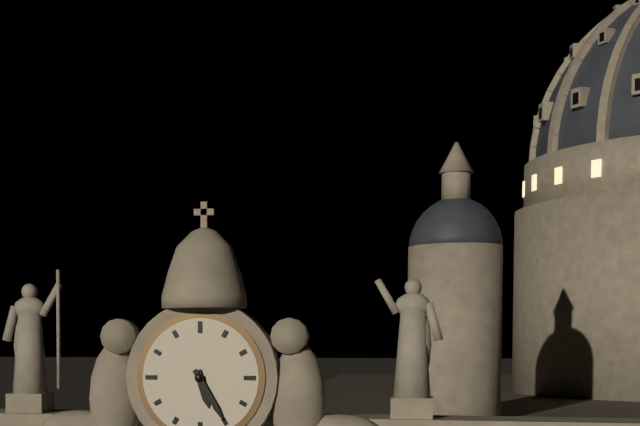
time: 5:25
